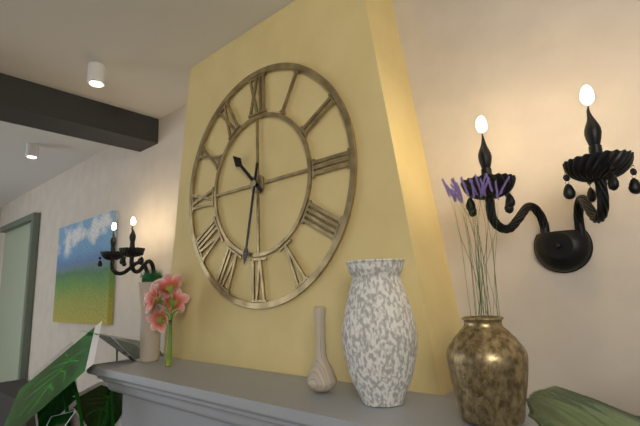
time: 10:32
